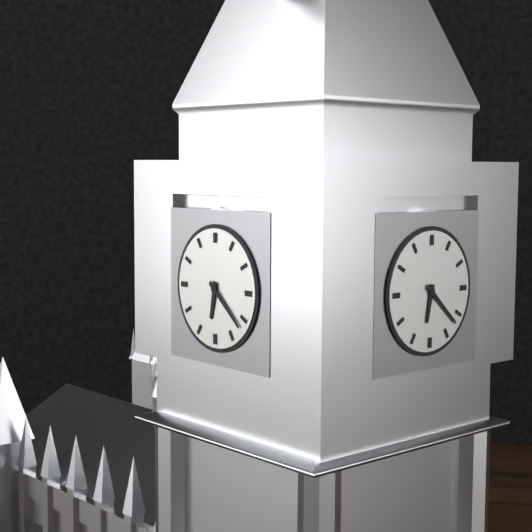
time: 6:22
